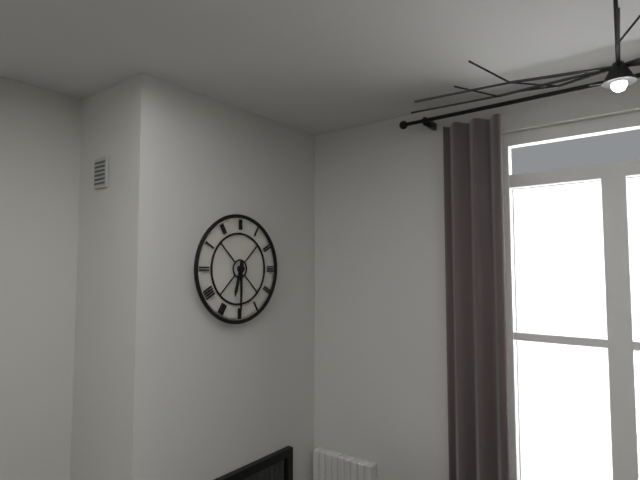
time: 6:30
